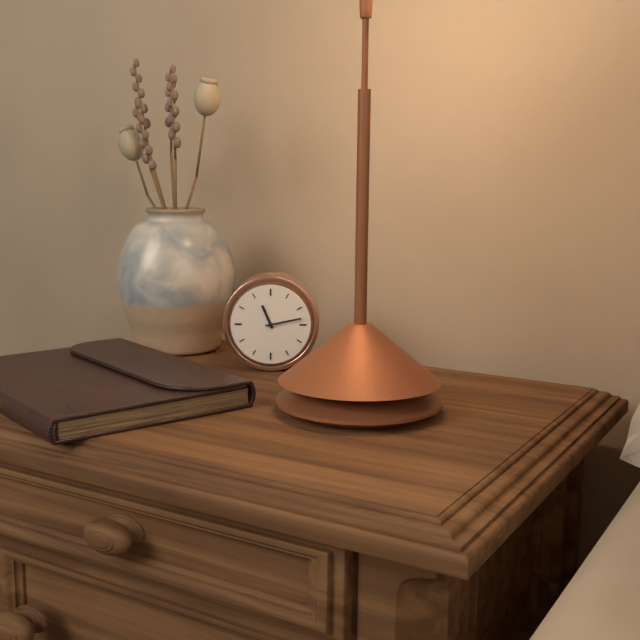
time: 11:13
